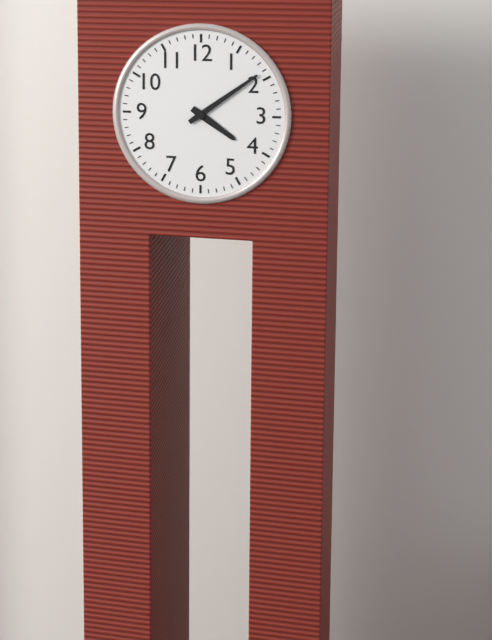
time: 4:09
